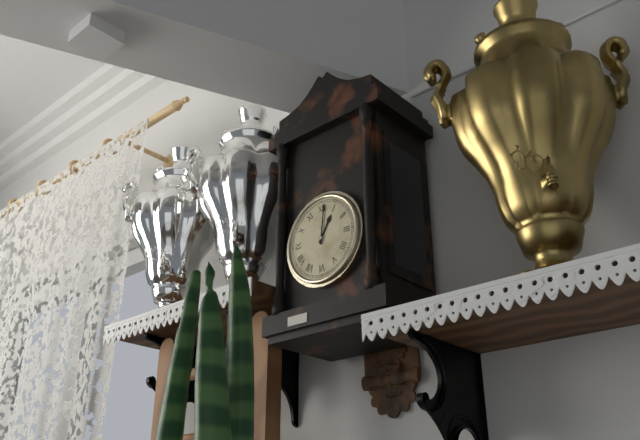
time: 1:01
